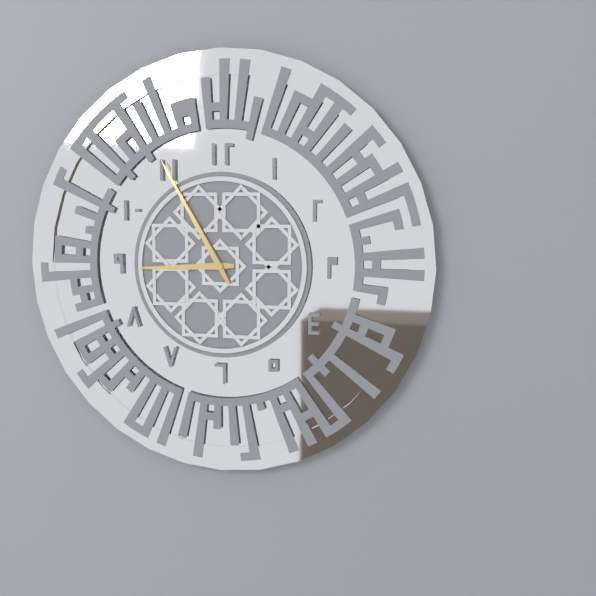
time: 8:55
